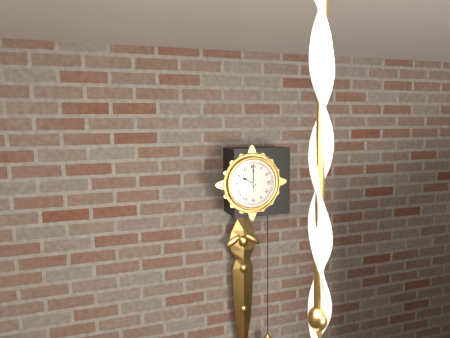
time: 10:00
